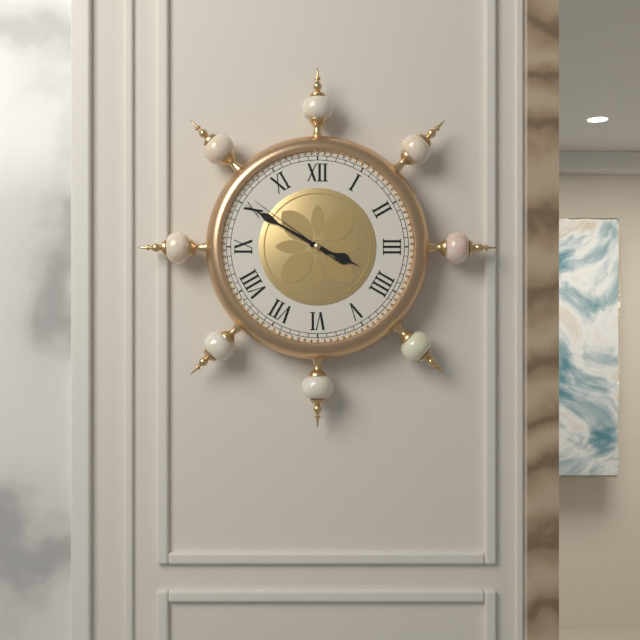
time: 3:50:51
